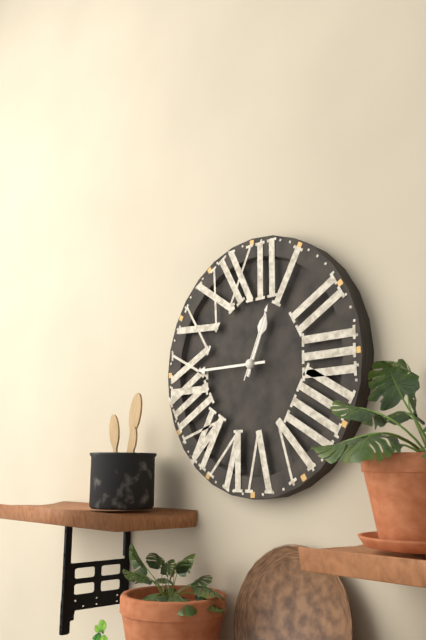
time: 12:45:04
